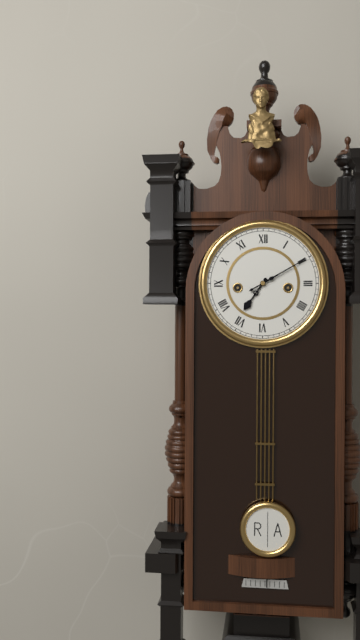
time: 7:10
